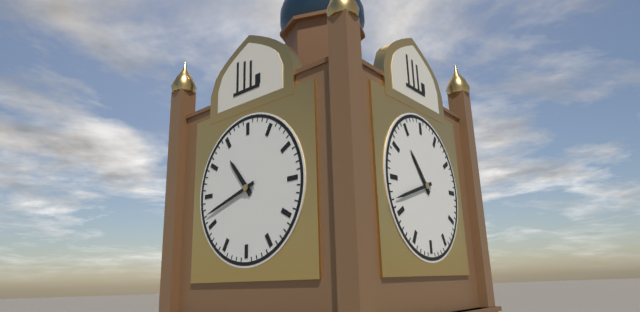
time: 10:42
